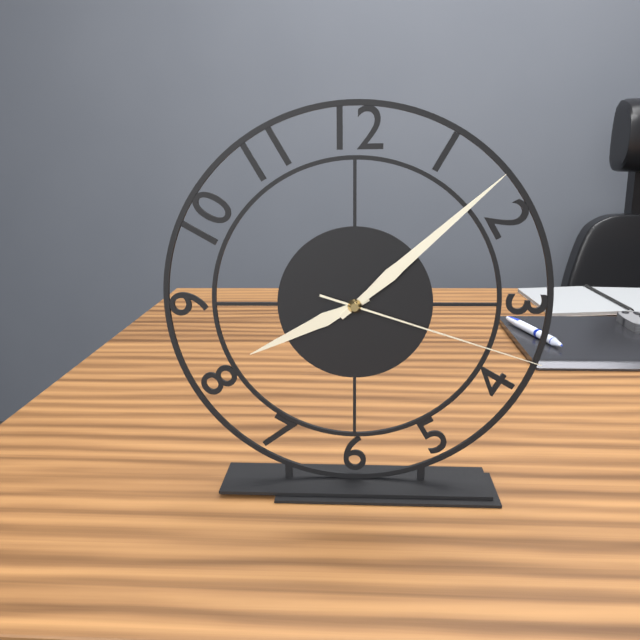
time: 8:08:18
